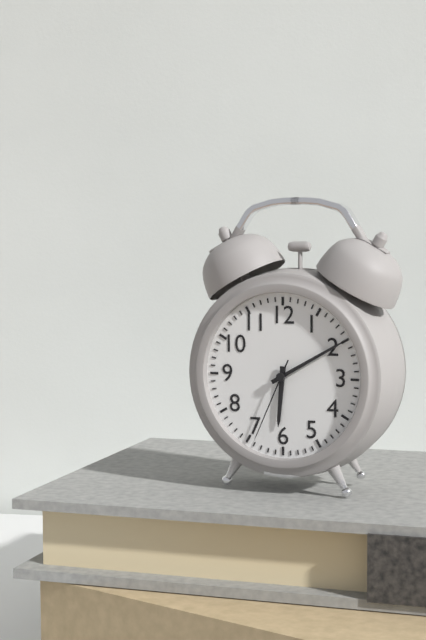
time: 6:10:34
